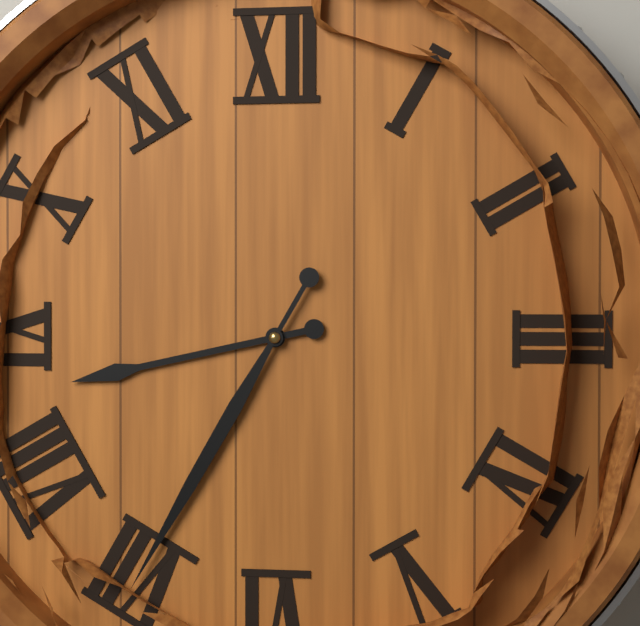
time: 8:35
